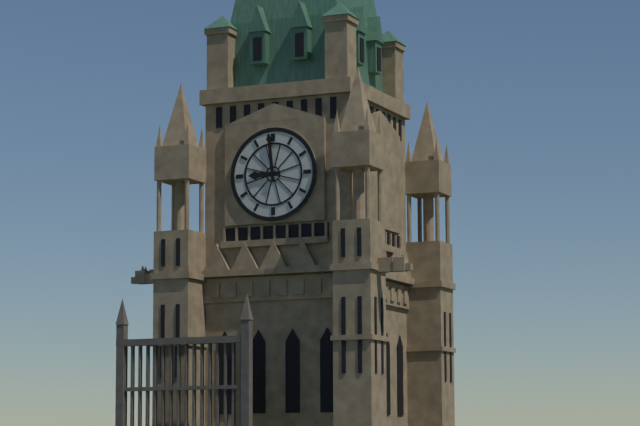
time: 8:59
